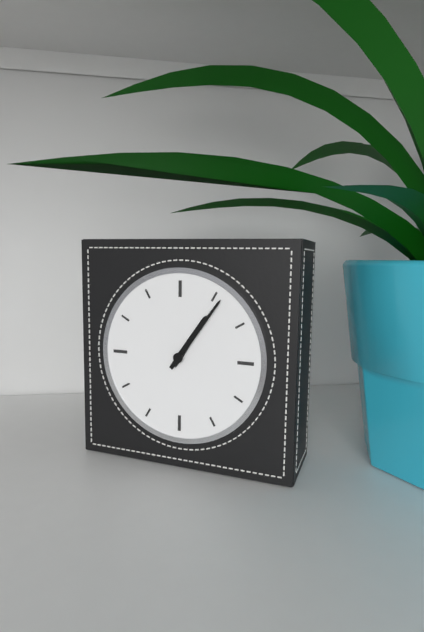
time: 1:06
